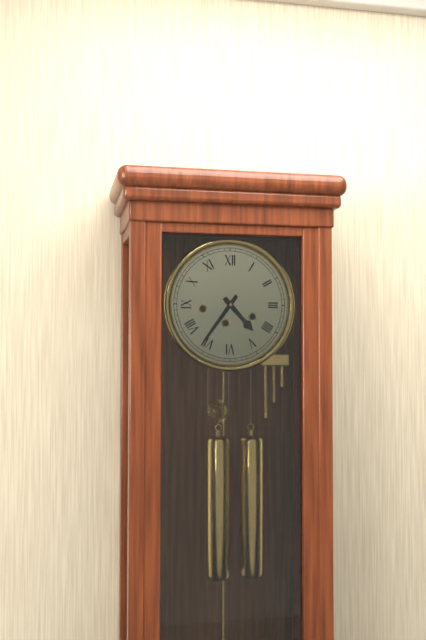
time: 4:36
